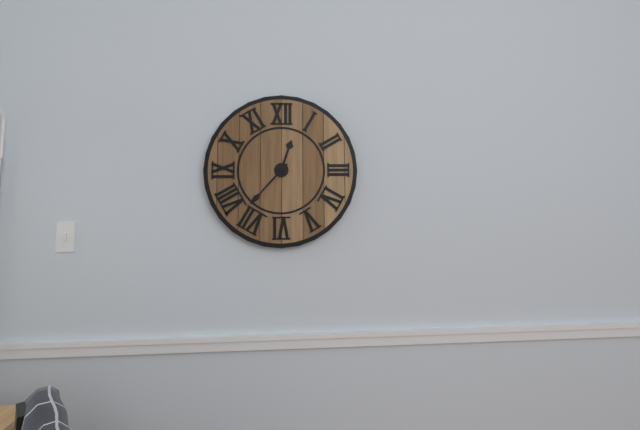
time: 12:37
